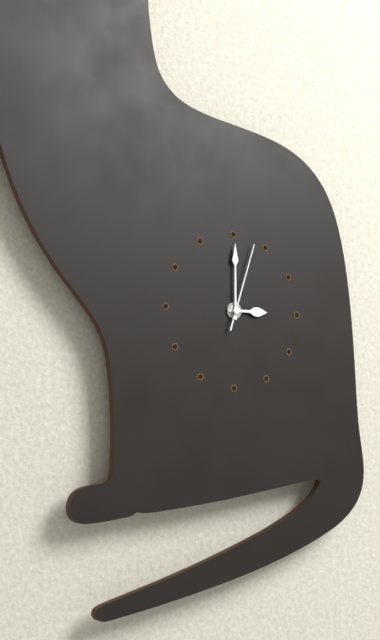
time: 3:00:03
